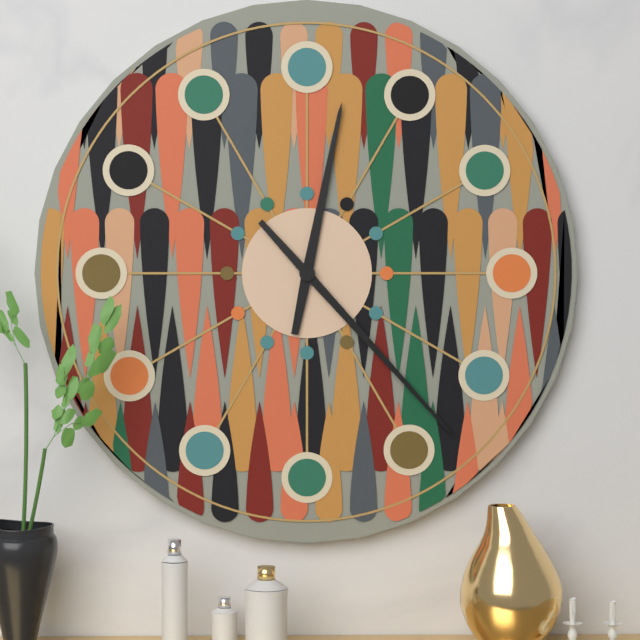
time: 12:23
